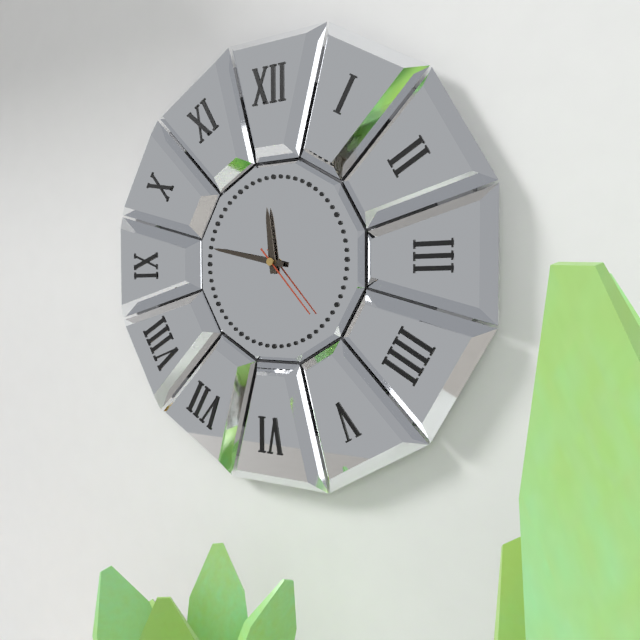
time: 11:47:23
